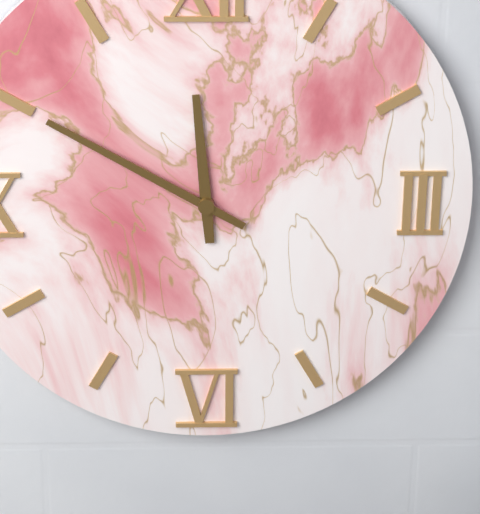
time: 11:50
